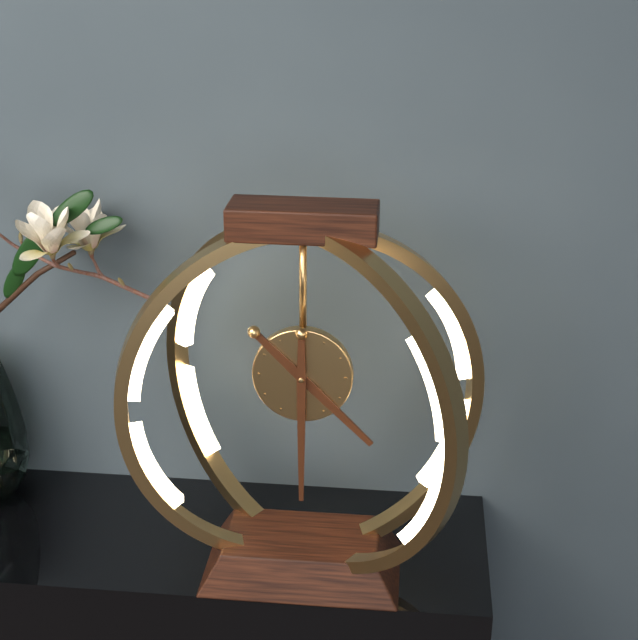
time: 4:30
